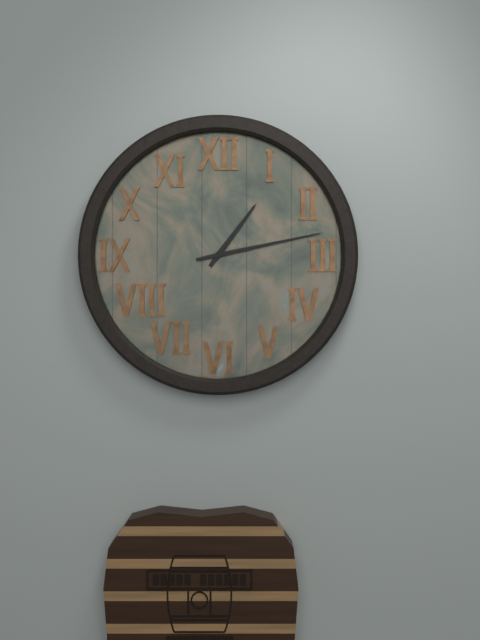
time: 1:13
